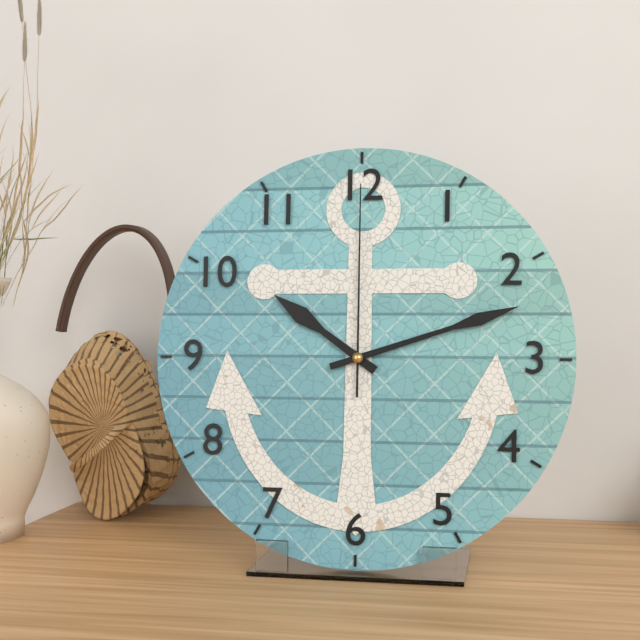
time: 10:12:00
